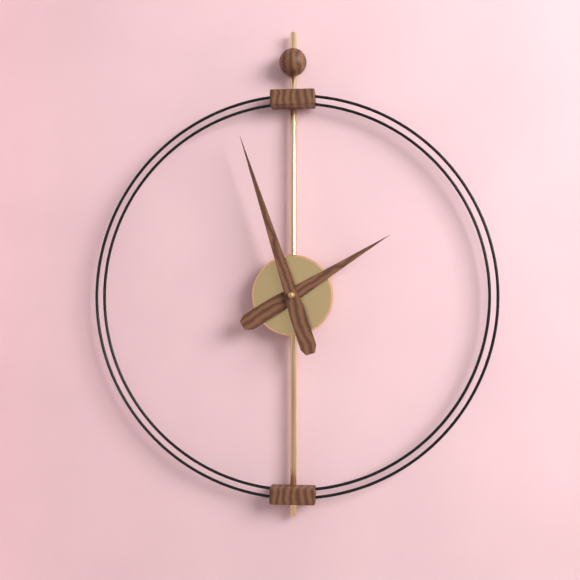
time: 1:57
